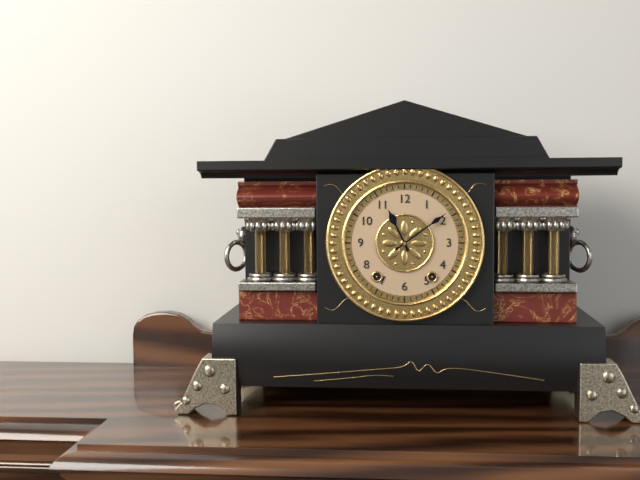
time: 11:09
